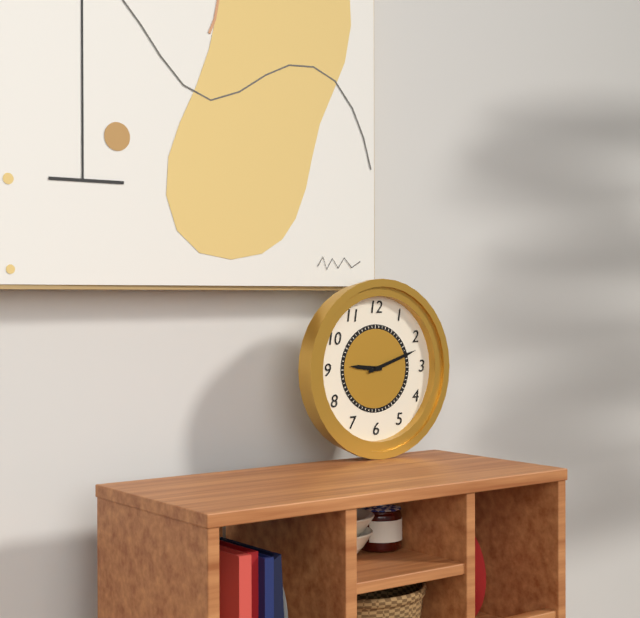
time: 9:12
